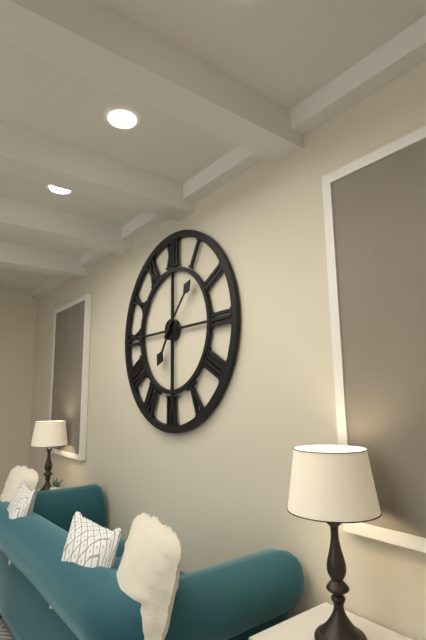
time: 7:07
